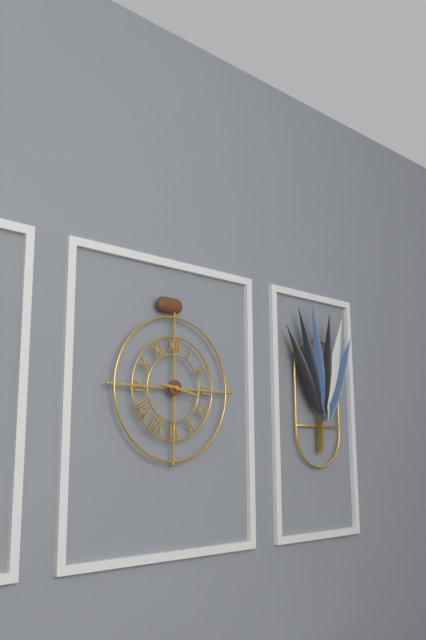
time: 9:17
